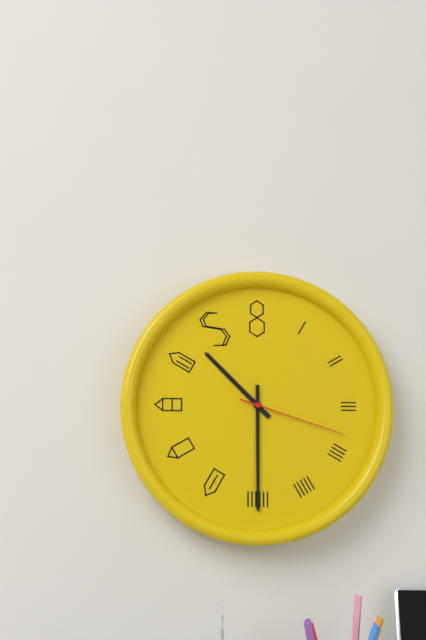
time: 10:30:18
